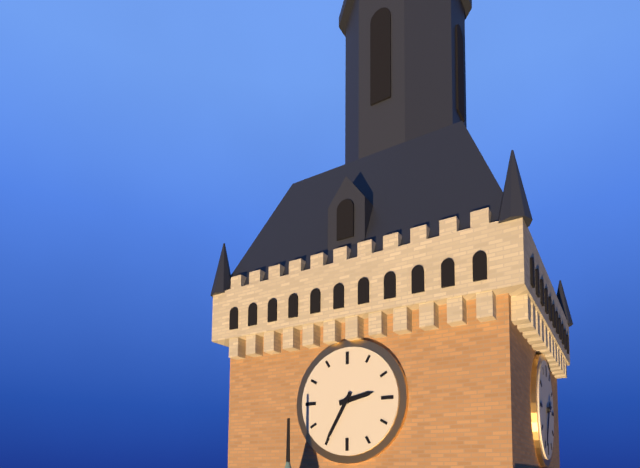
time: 2:35
